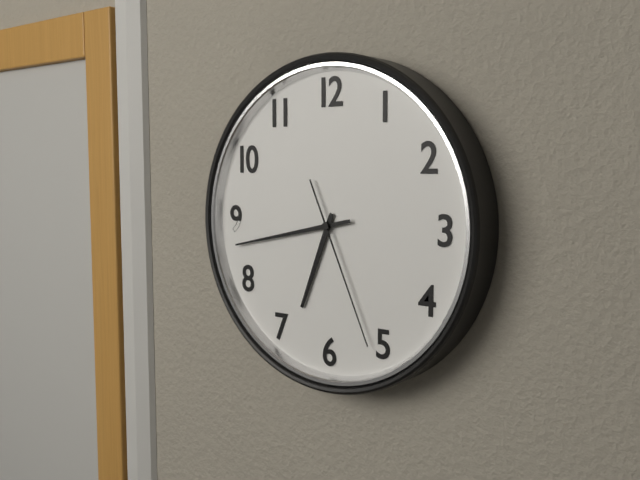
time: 6:43:26
